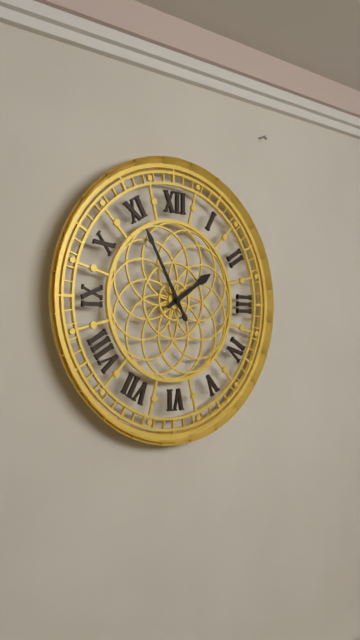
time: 1:55
